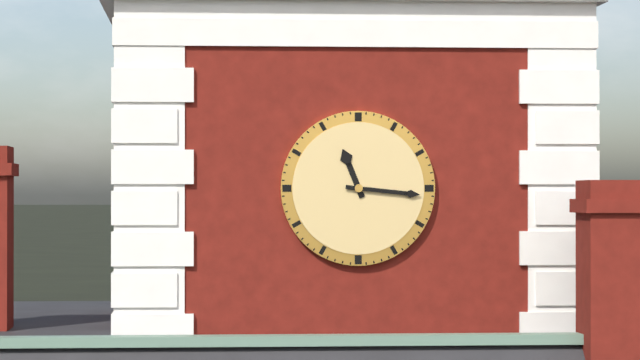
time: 11:16
